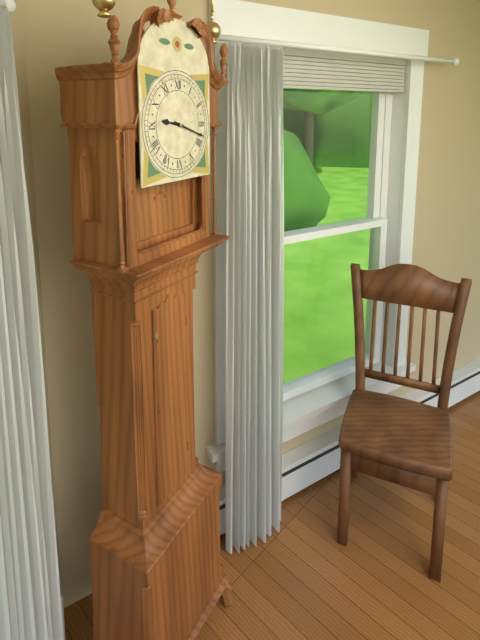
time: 9:18
